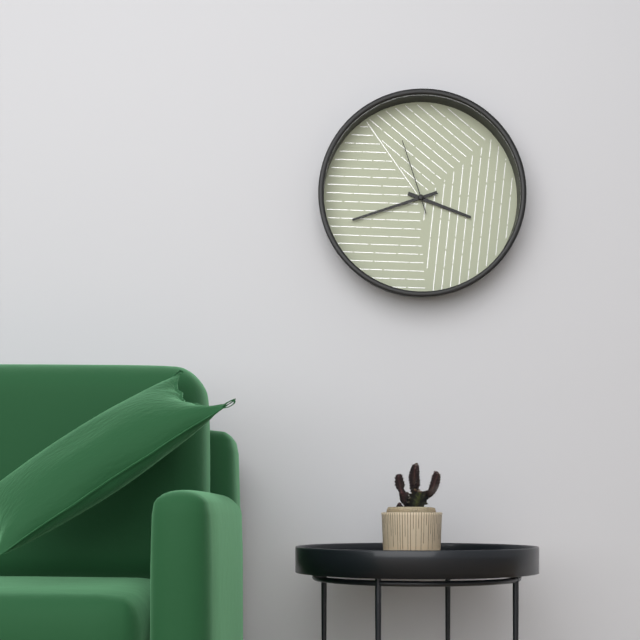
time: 3:42:57
